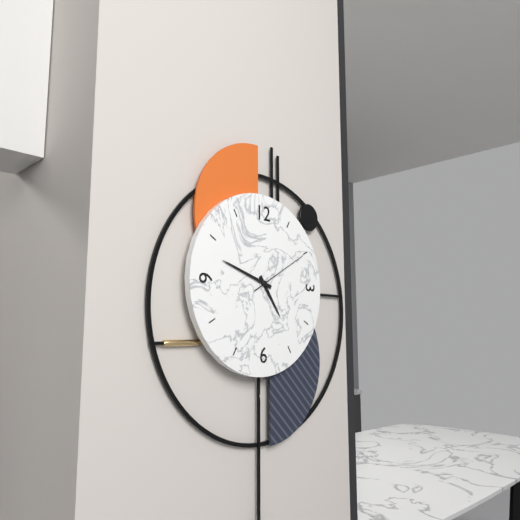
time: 4:48:10
